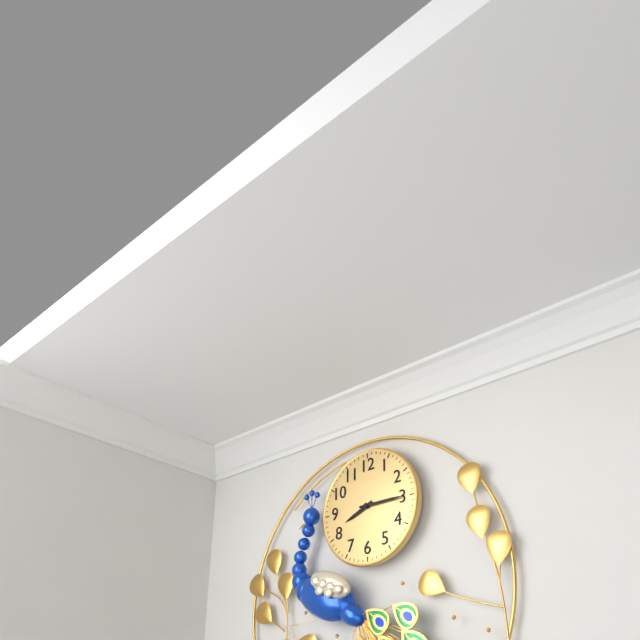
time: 8:15
